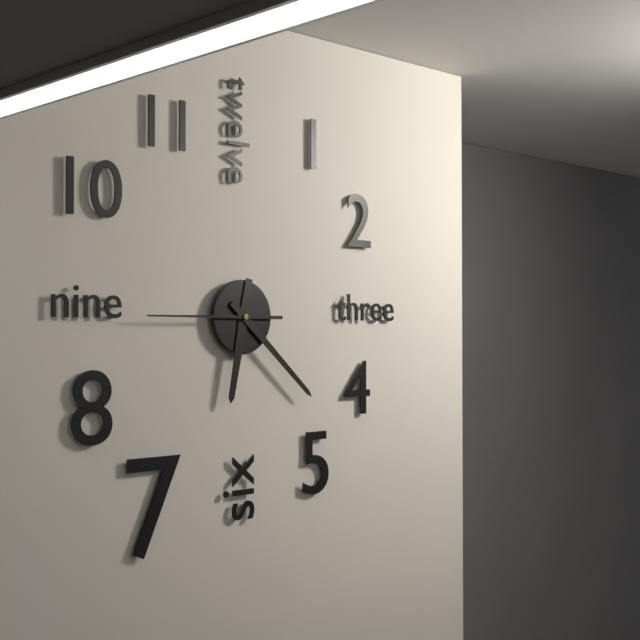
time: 6:22:45
